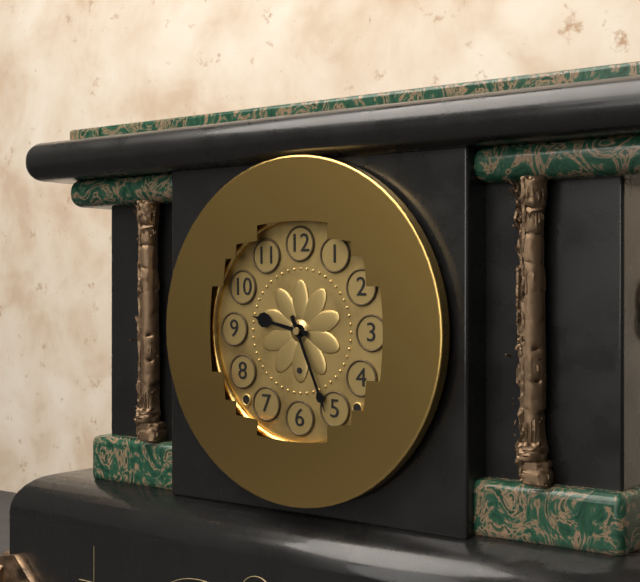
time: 9:26
